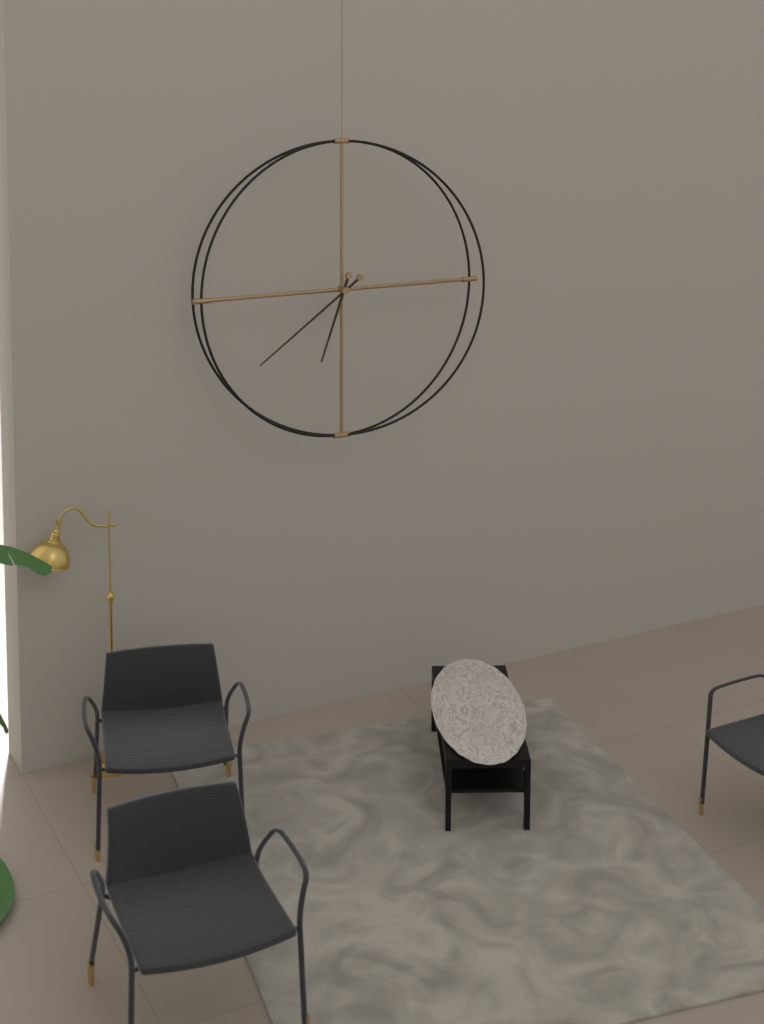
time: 6:39
